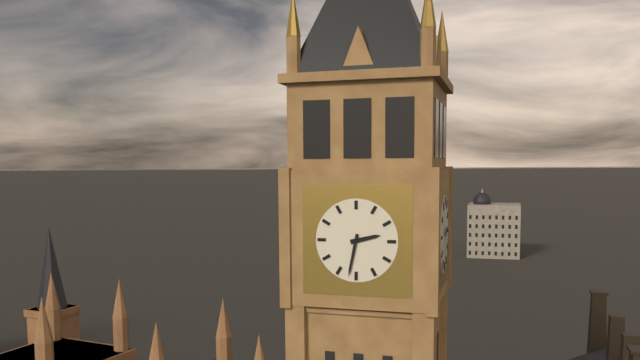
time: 2:32
